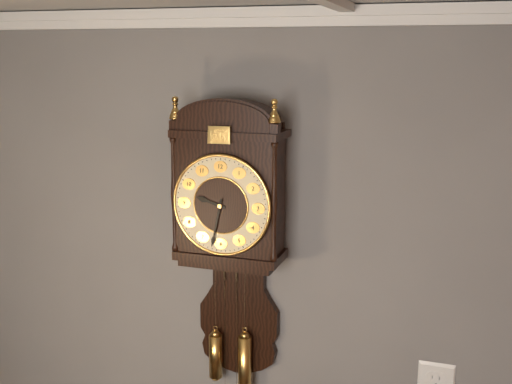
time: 9:32
